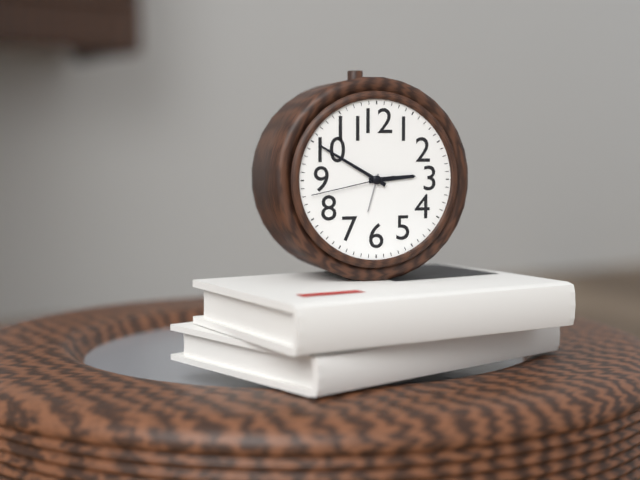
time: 2:50:43
